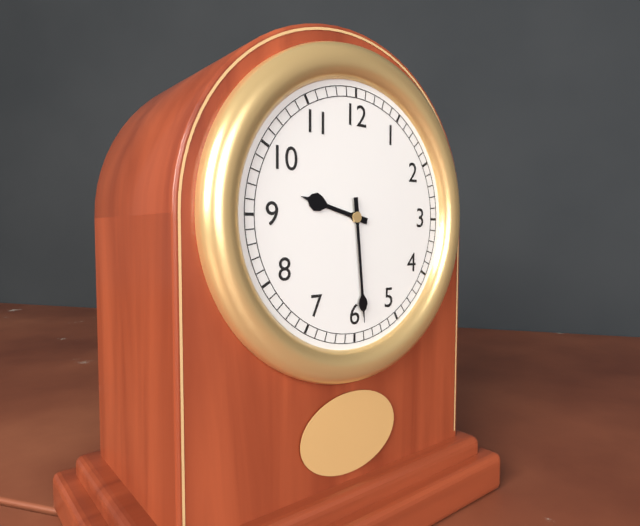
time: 9:29
